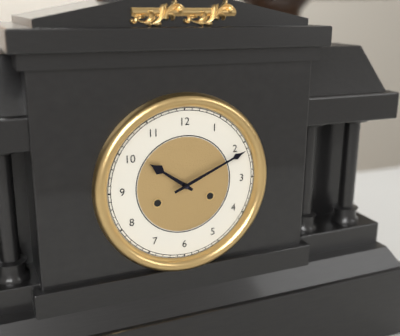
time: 10:11
